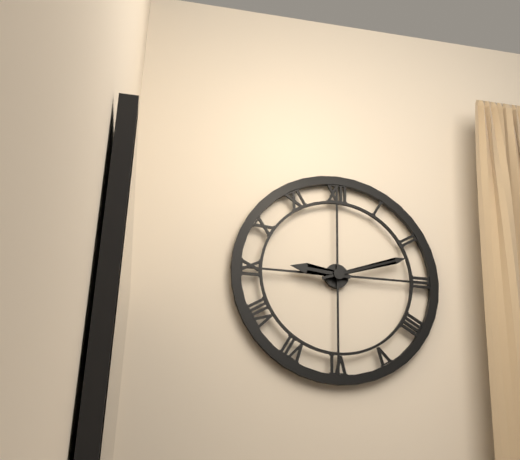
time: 9:12
